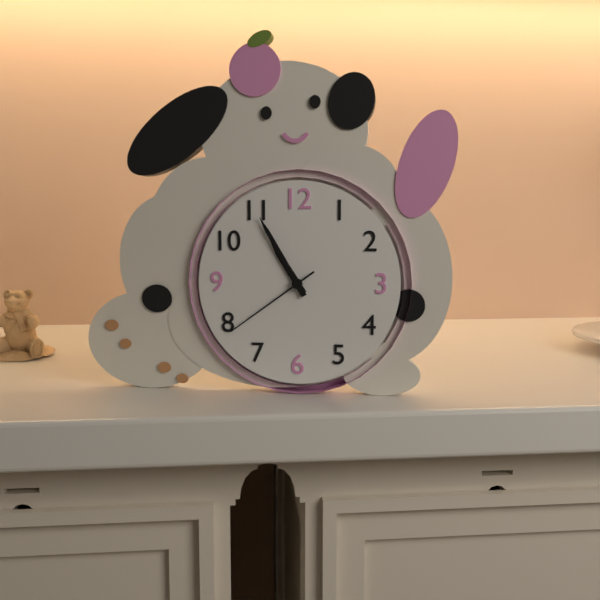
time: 10:55:39
